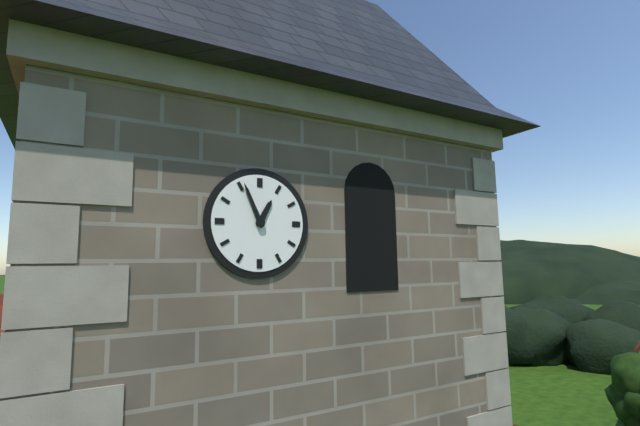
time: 12:56
